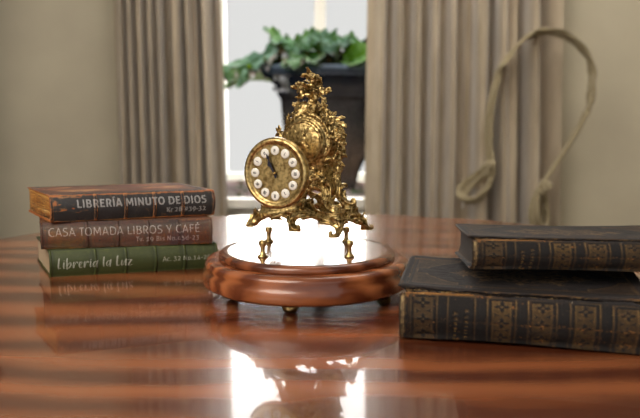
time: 10:56
